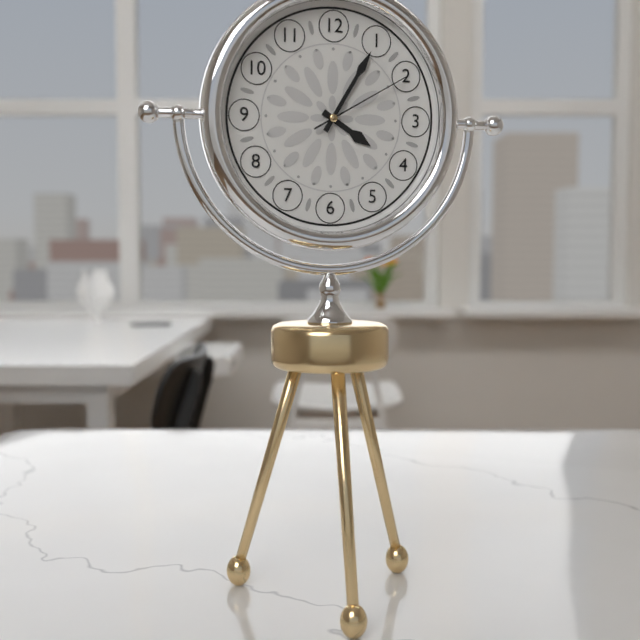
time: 4:05:10
